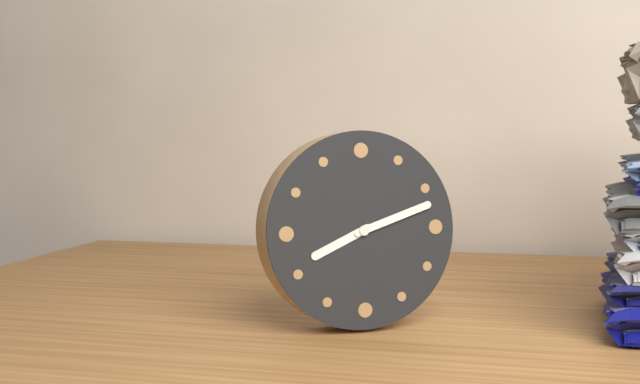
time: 8:12
